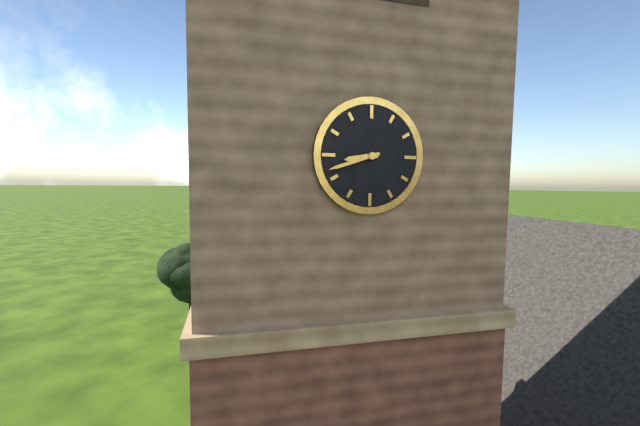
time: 8:42
